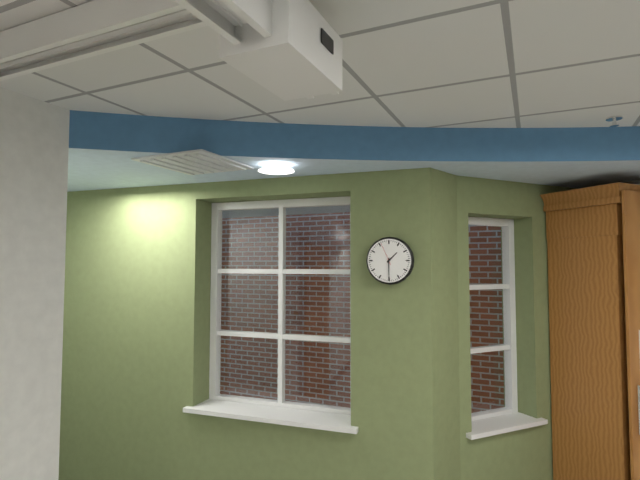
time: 1:30
